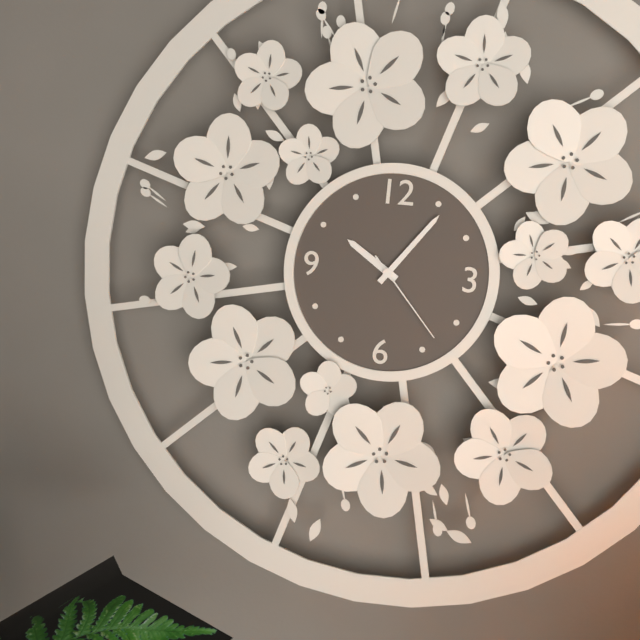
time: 10:06:23
